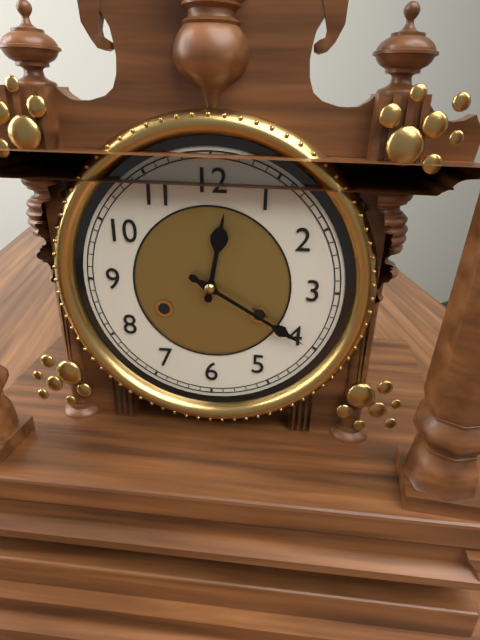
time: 12:20
